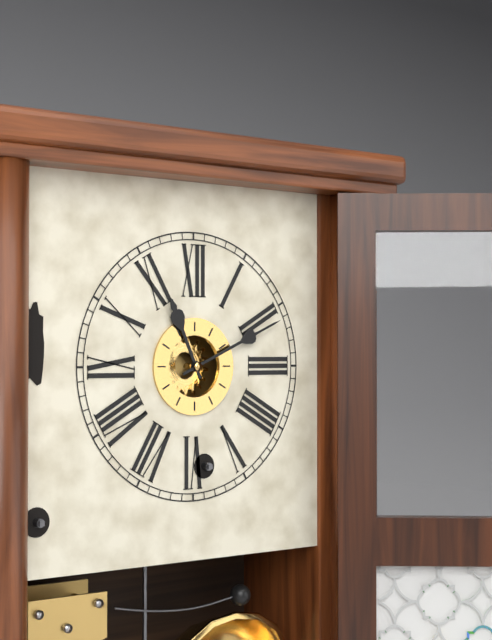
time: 11:11
